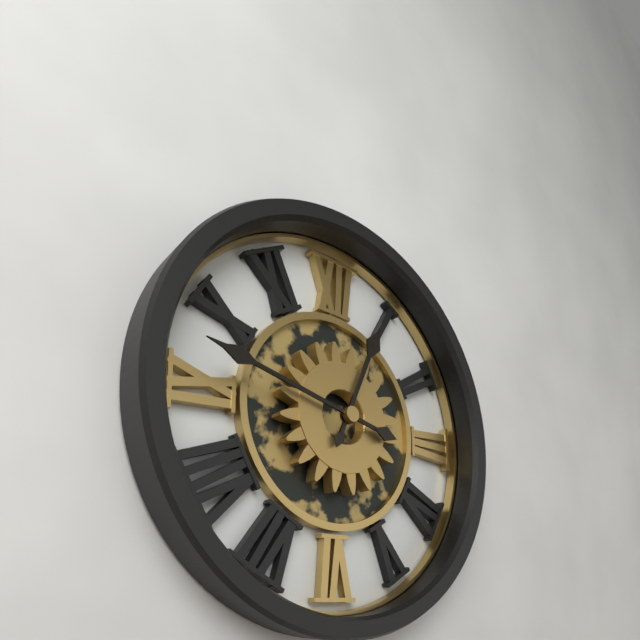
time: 12:47
